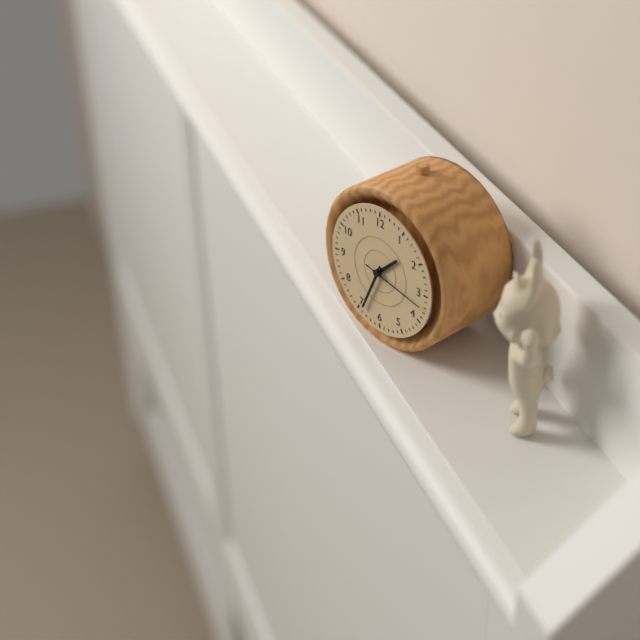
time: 1:34:17
